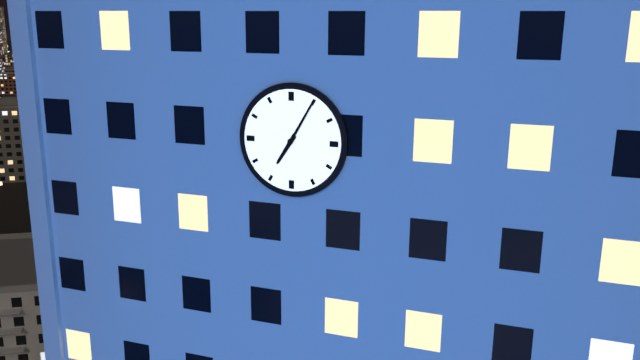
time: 7:05
